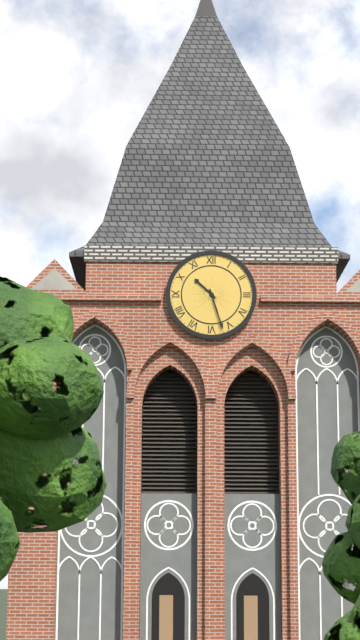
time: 10:27
